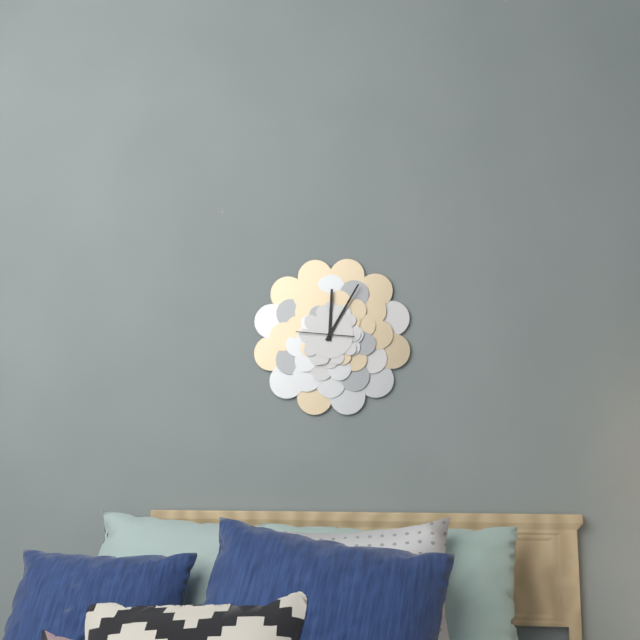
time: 12:05
